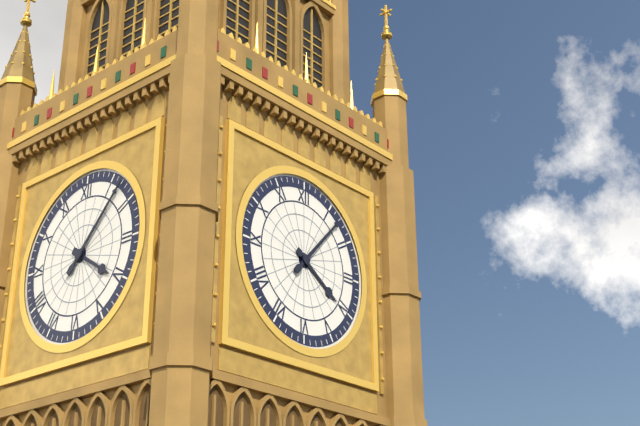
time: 4:07
